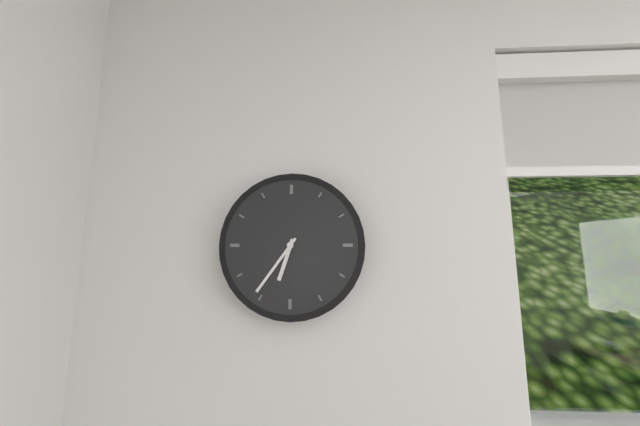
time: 6:36
